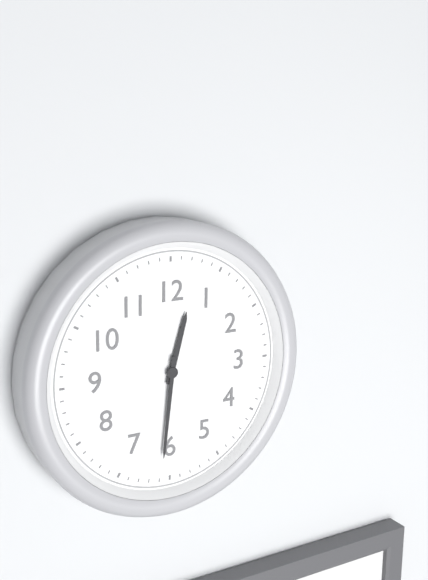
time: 12:31
